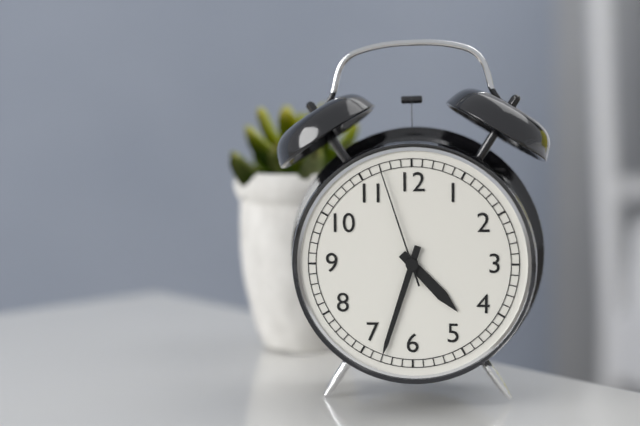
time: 4:33:57
